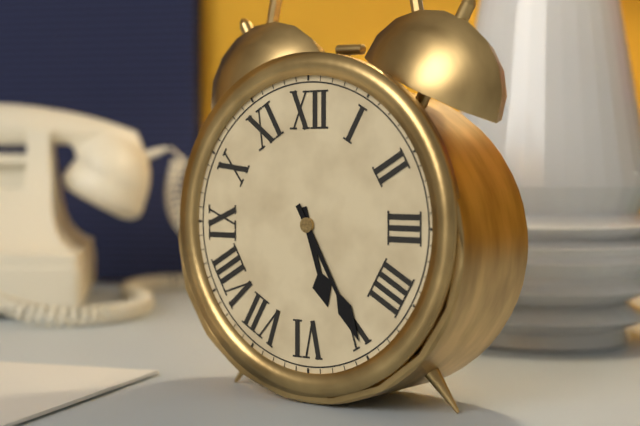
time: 5:25
